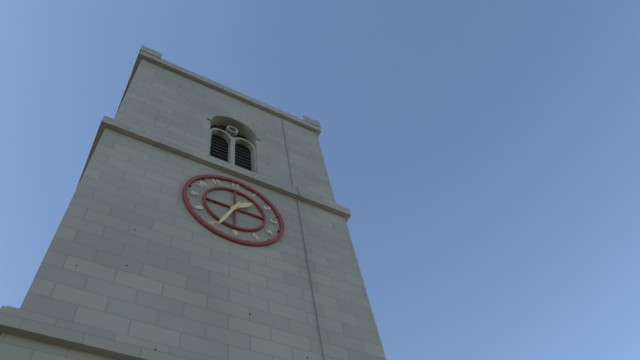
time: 1:34
